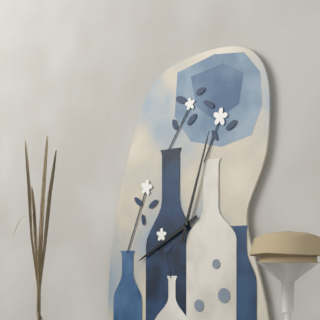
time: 8:03
